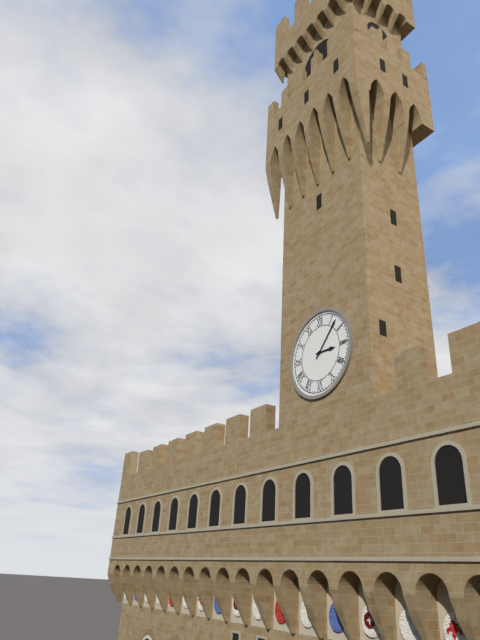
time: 3:07
